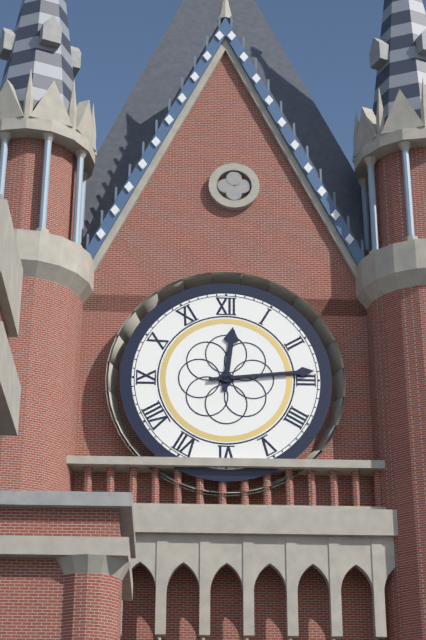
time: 12:14
